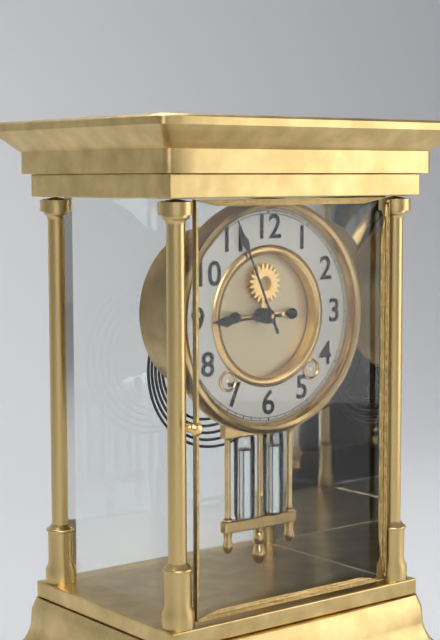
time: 8:56
